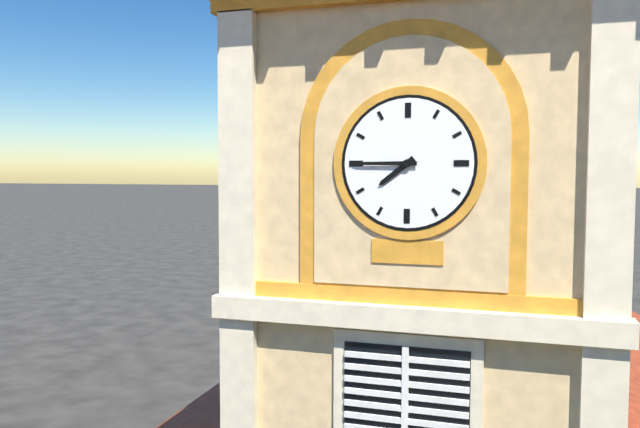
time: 7:45
